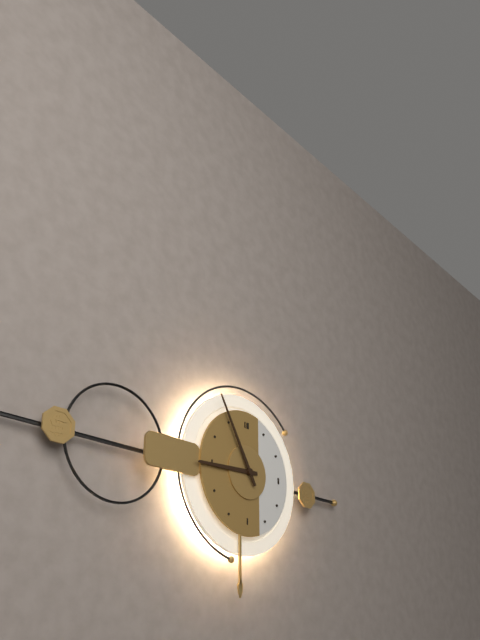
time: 8:55
